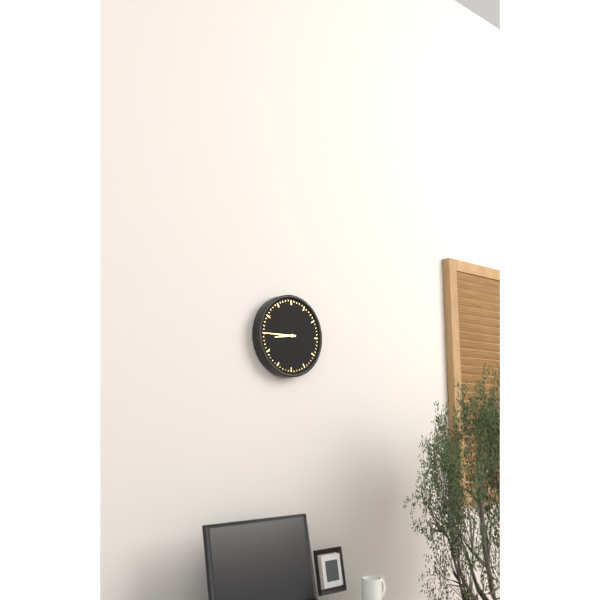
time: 8:45
